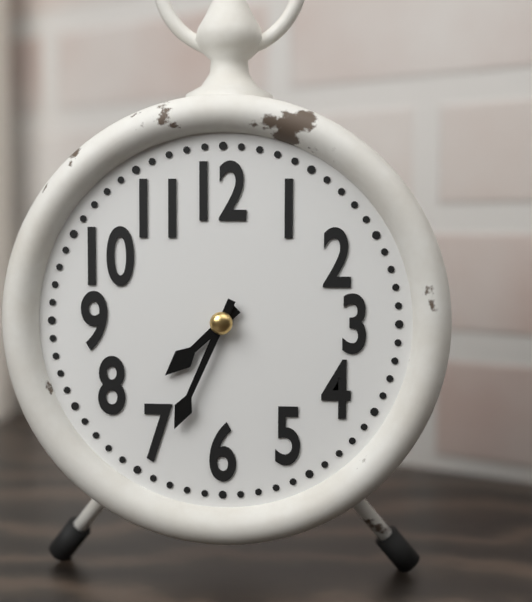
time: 7:34
